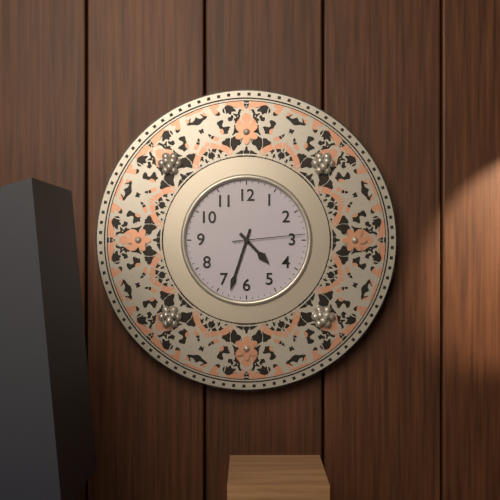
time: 4:33:14
